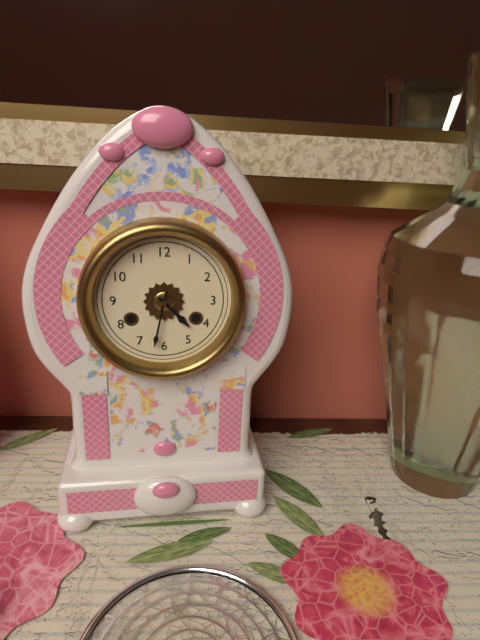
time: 4:32
